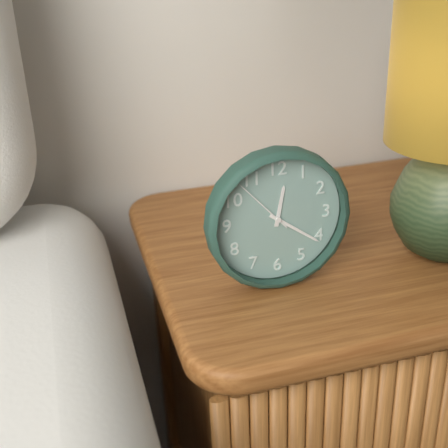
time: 12:21:53
